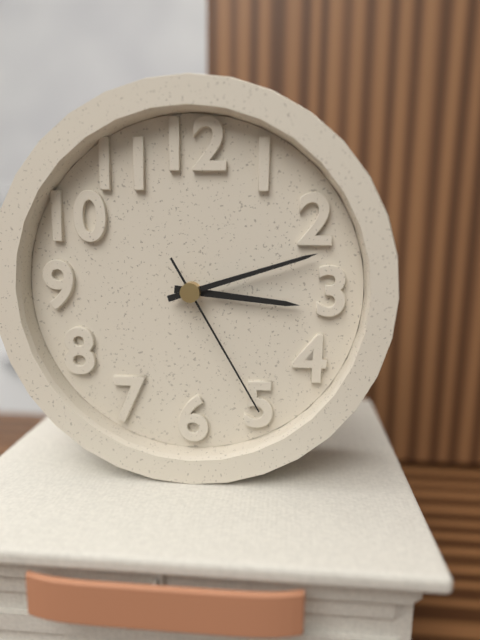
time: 3:12:25
